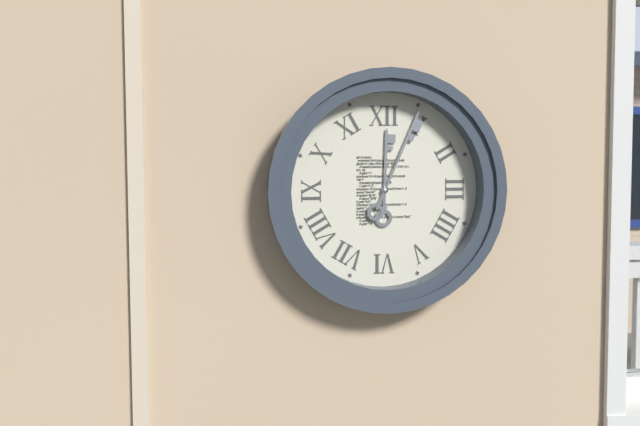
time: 12:04
